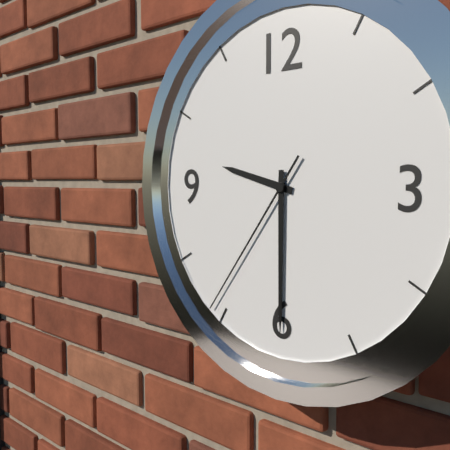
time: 9:30:36
